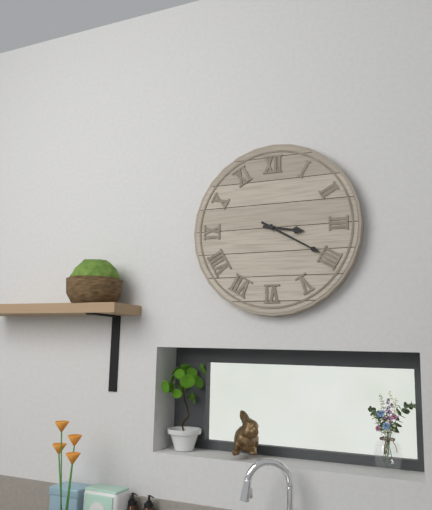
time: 3:20
